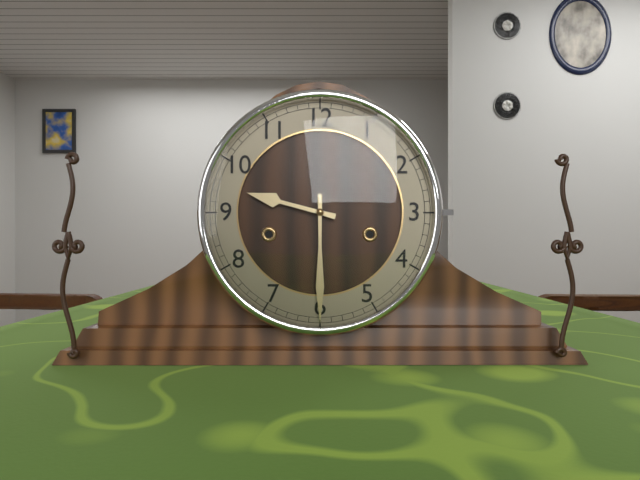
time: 9:30
